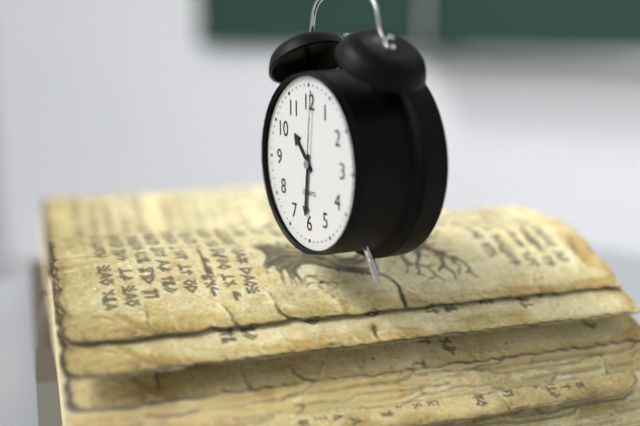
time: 10:31:01
